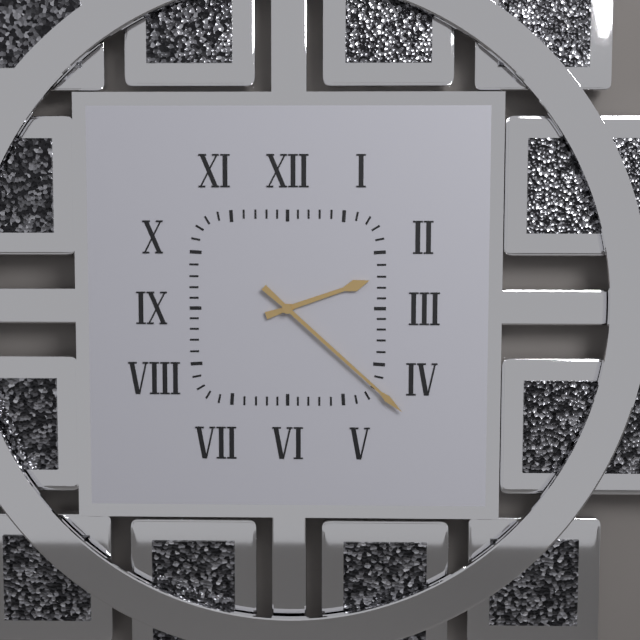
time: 2:22
